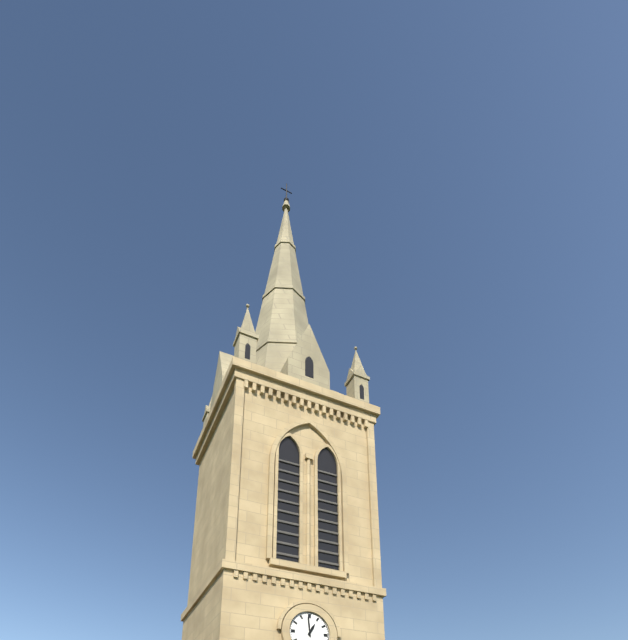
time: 12:59
